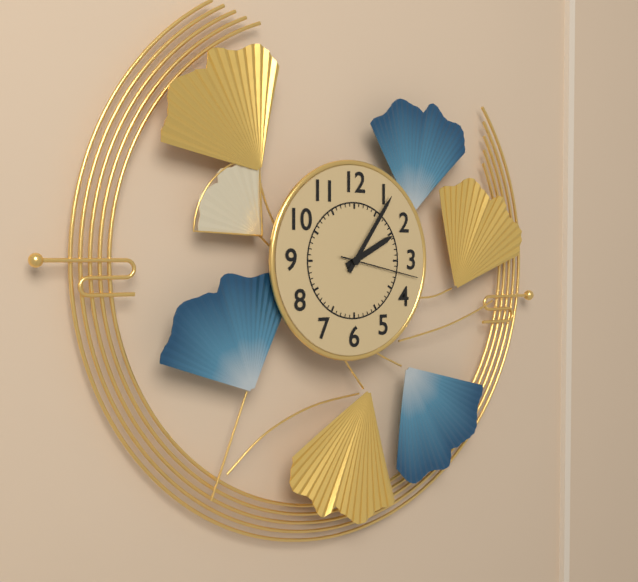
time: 2:06:17
